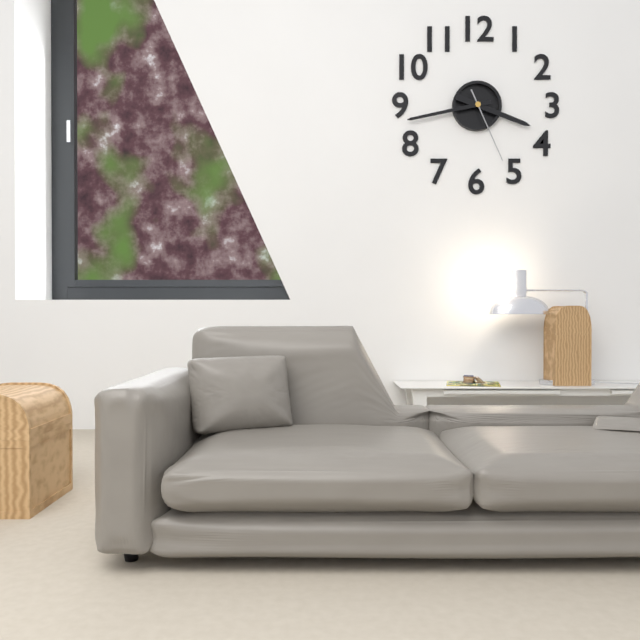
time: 3:43:26
